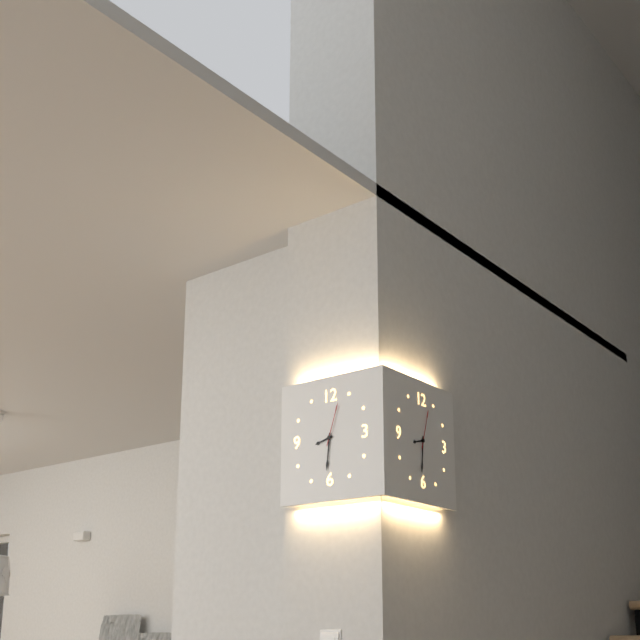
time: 8:31
